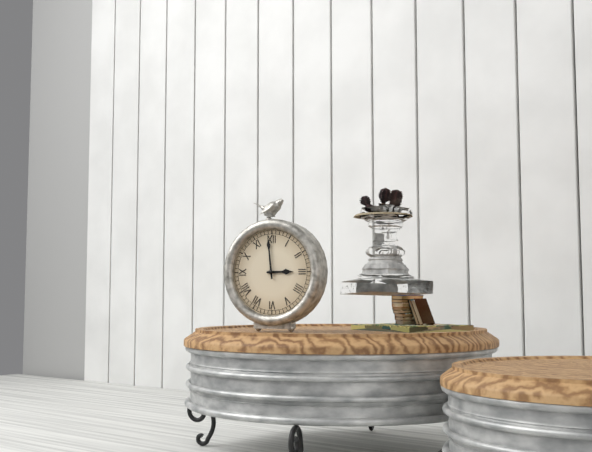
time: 2:59
